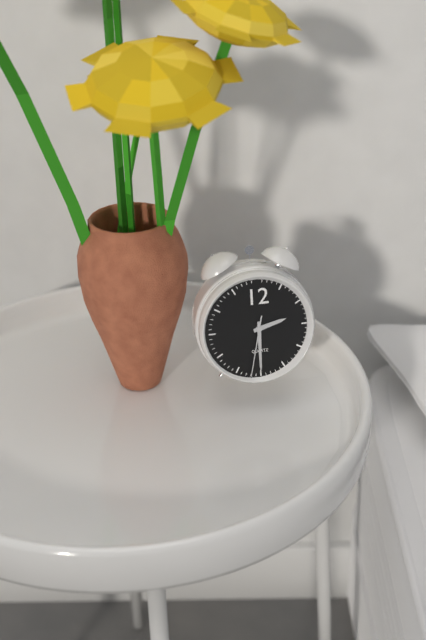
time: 2:30:32
